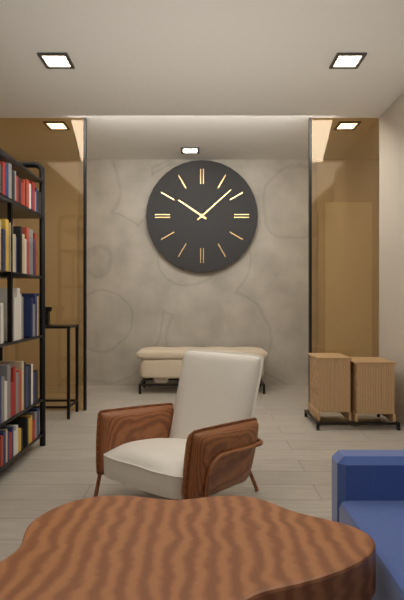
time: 10:08
